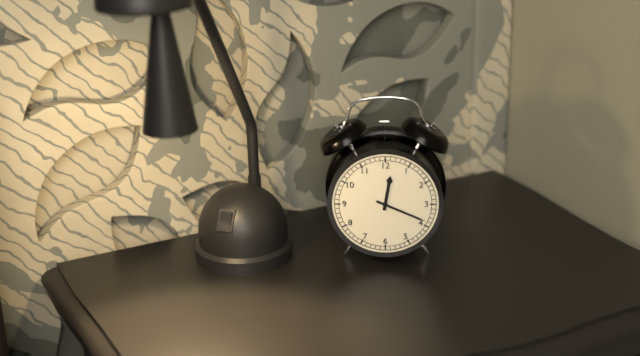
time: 12:19
